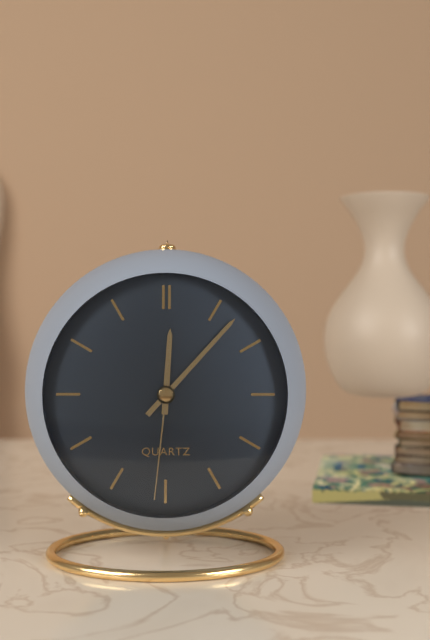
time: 12:07:31
